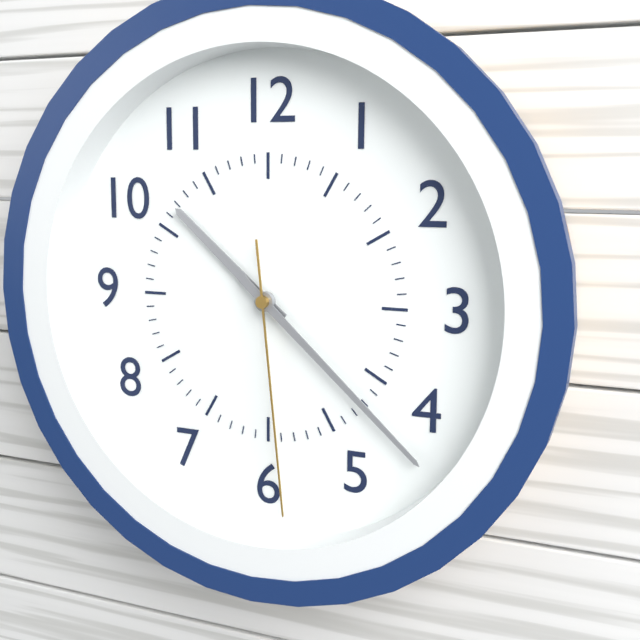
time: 10:22:29
